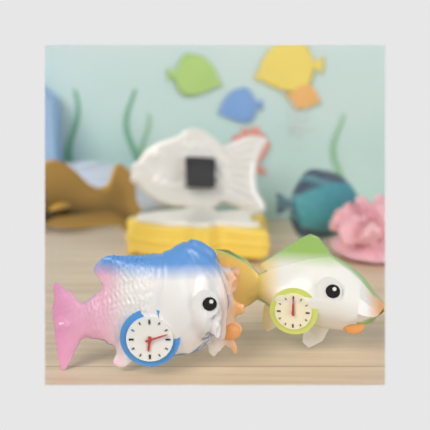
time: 6:12
